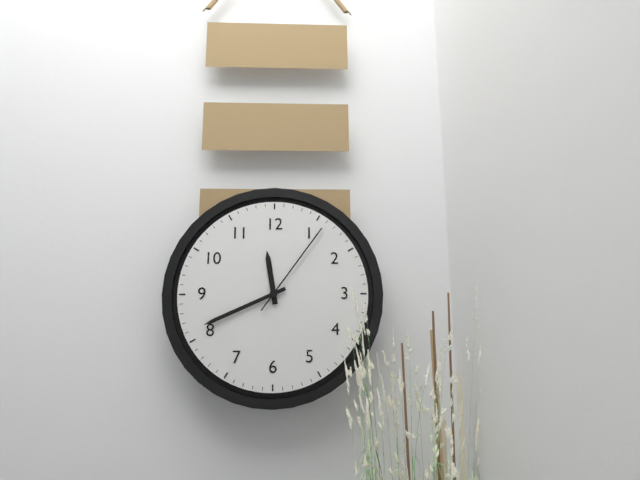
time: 11:41:06
